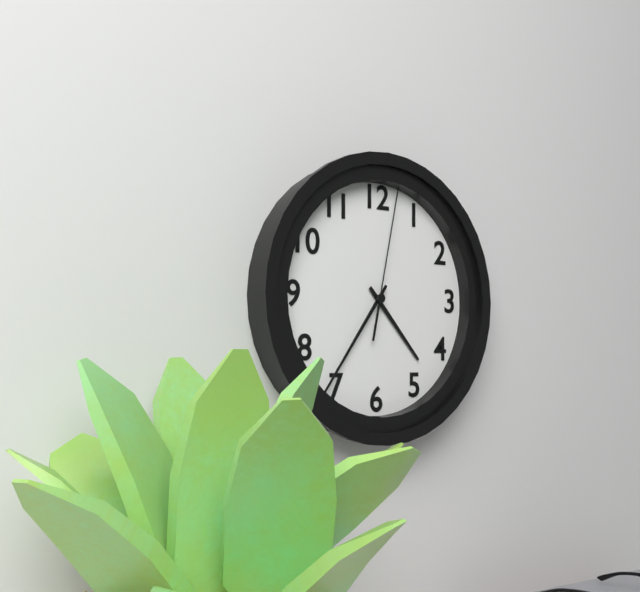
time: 4:36:02
